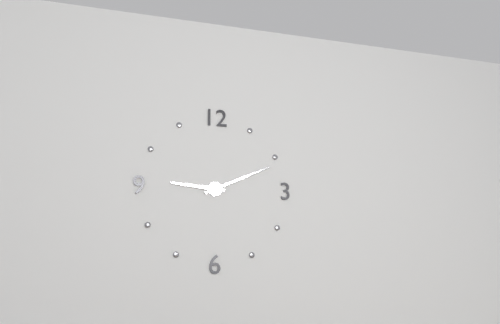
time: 9:11
